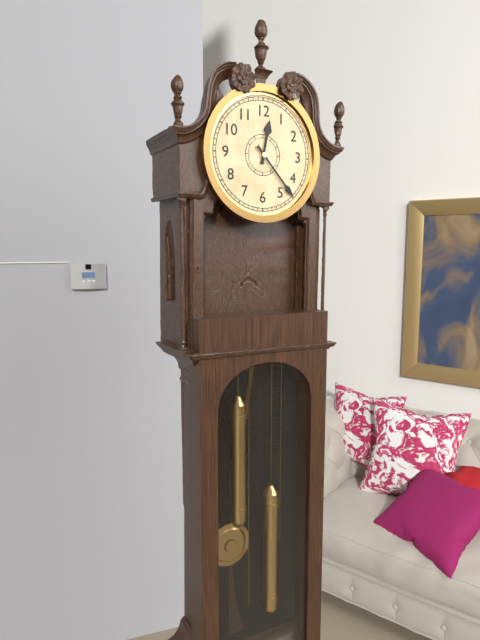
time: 12:23
